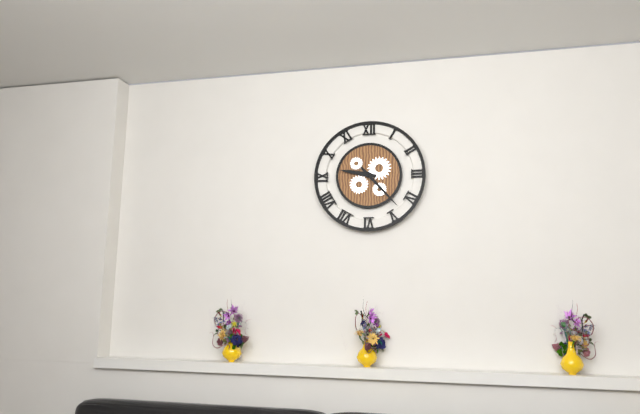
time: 9:23
